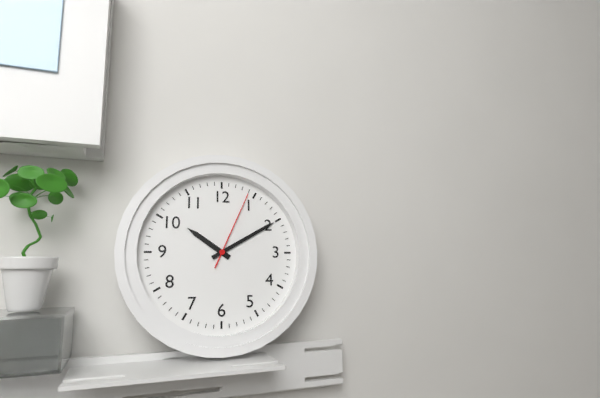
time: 10:10:04
